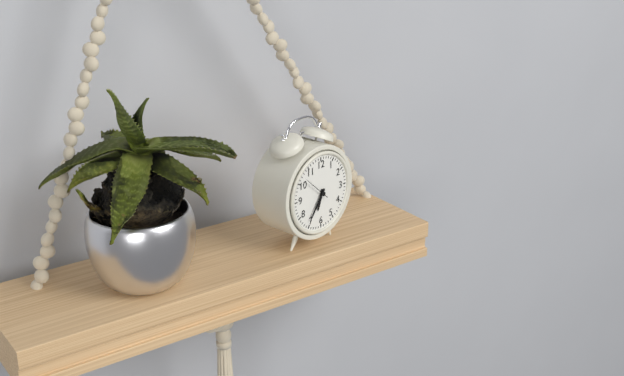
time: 6:36
